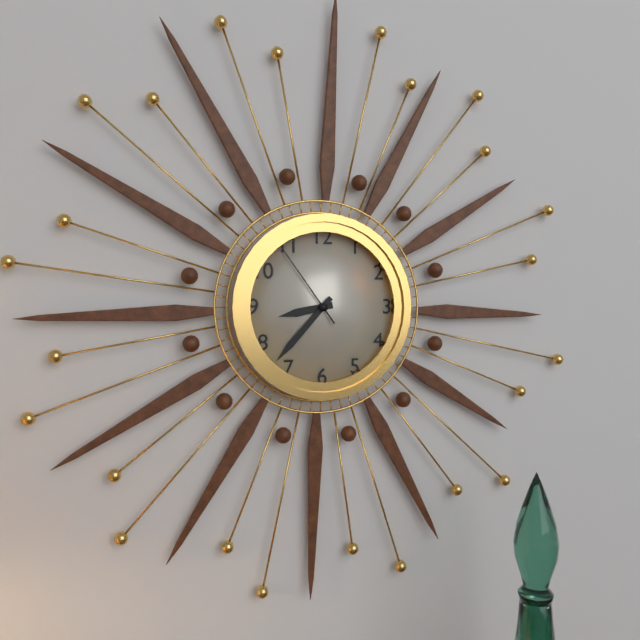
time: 8:37:54
